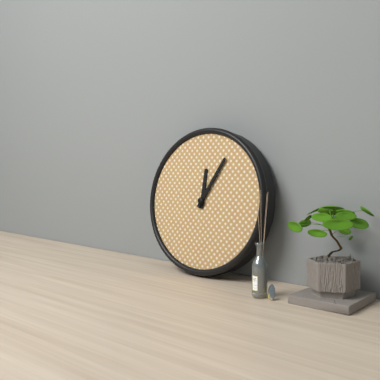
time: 12:05
